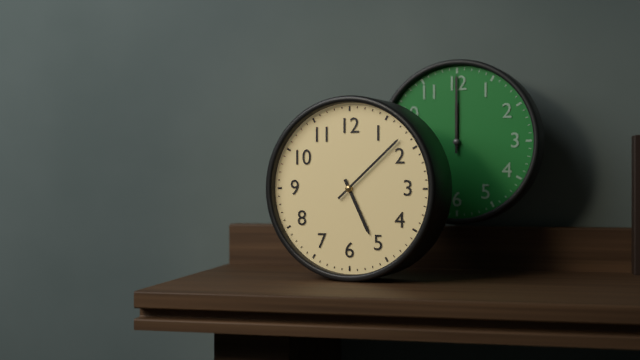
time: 5:08
